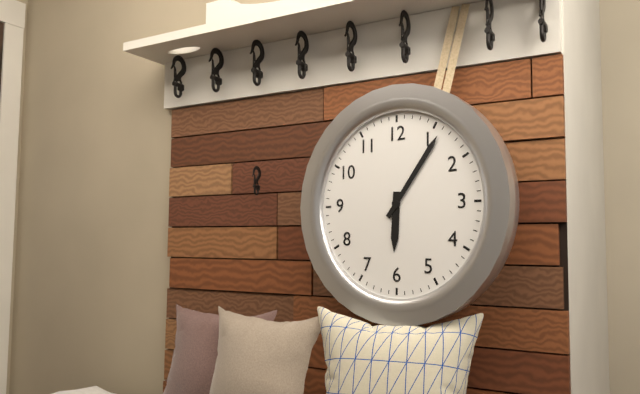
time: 6:06
